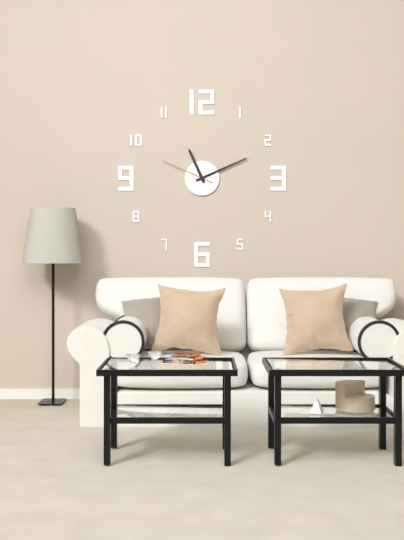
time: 11:11:49
